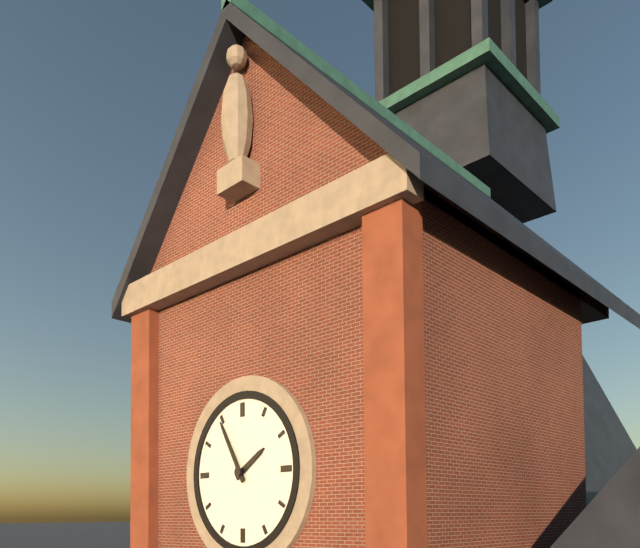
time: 1:55
